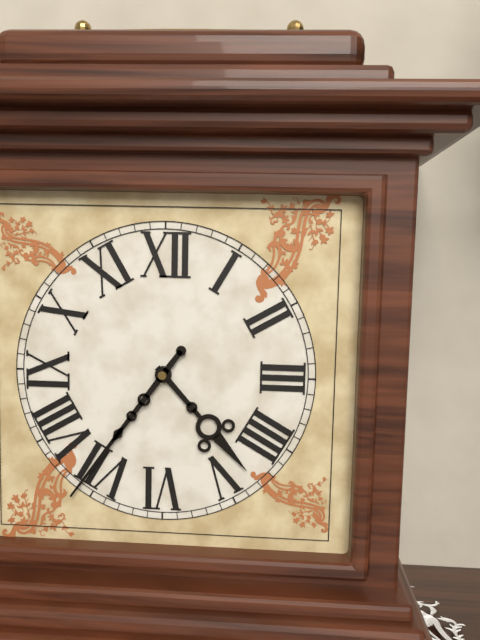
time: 4:36
